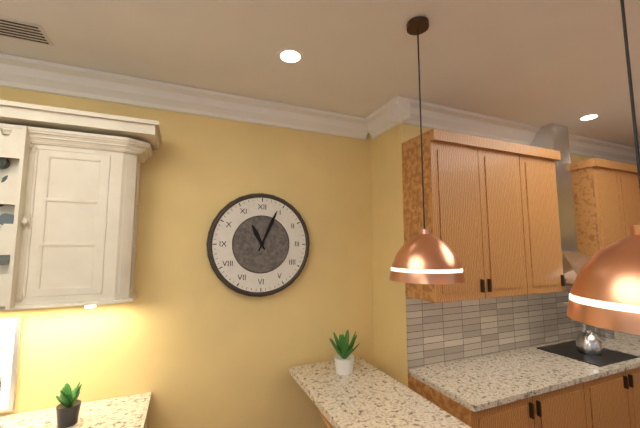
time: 11:04
